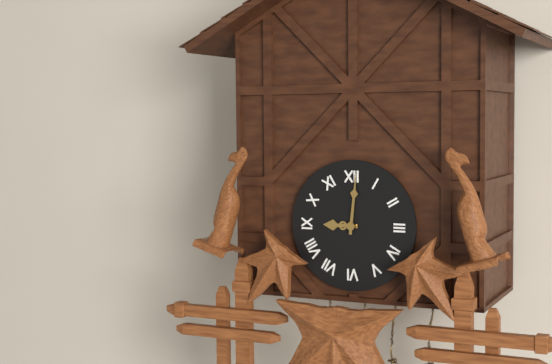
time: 9:01
